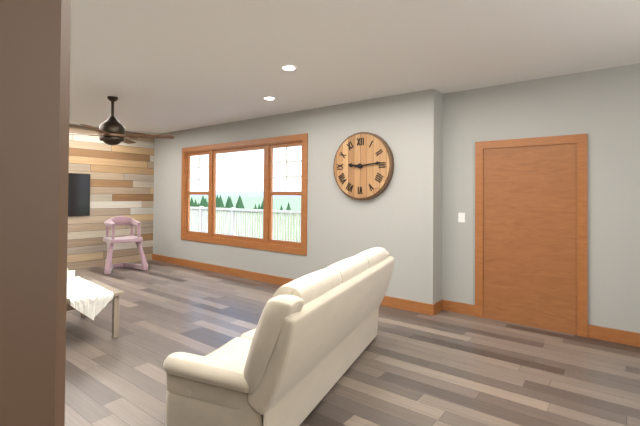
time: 9:14
